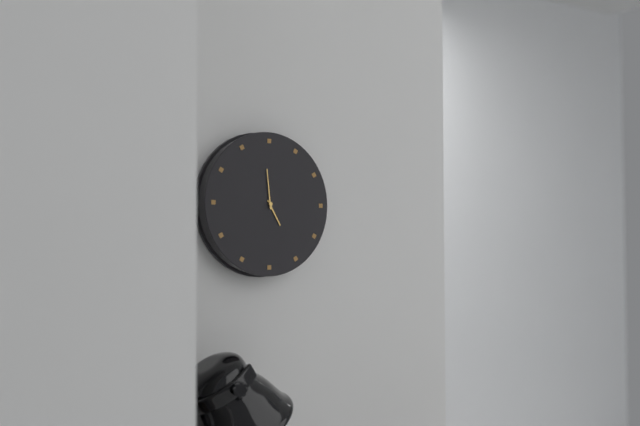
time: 4:59
